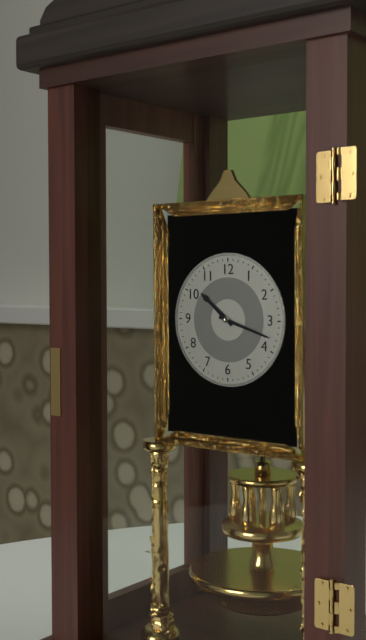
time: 10:18
